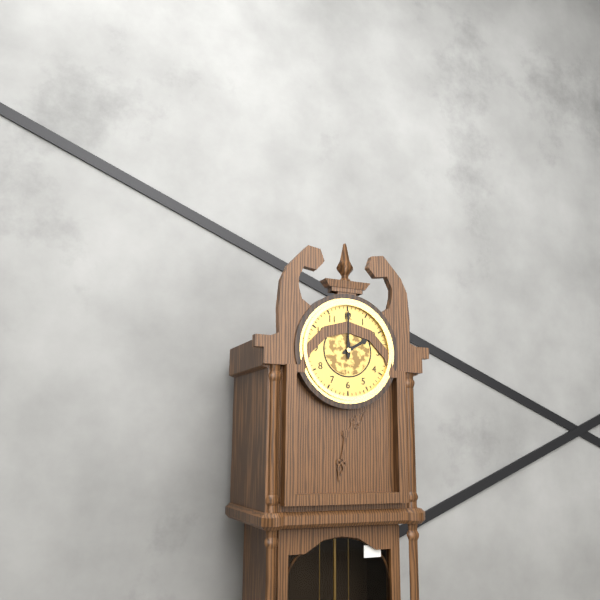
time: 2:00
